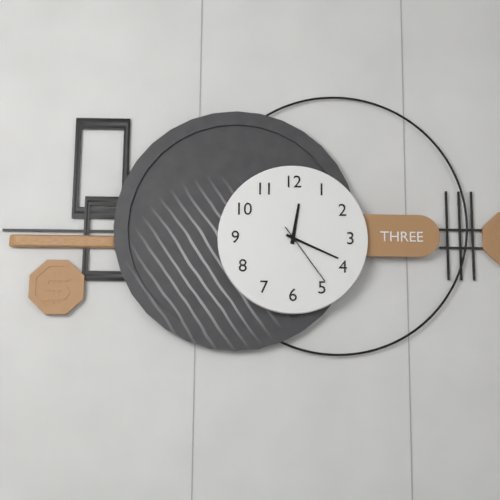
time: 12:19:24
